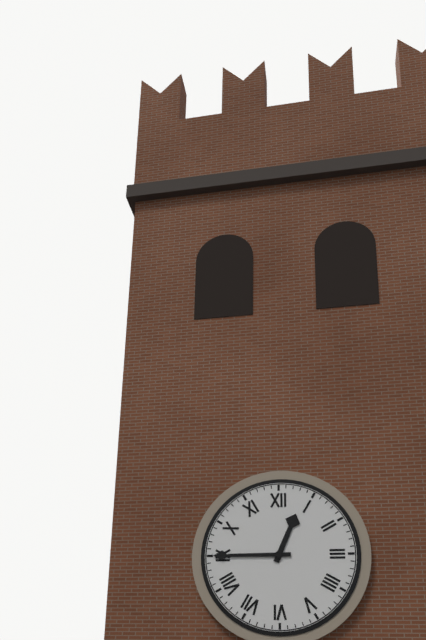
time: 12:45
